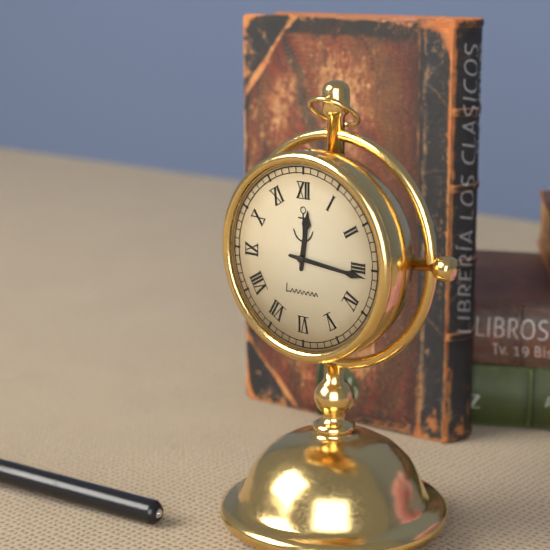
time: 12:16
